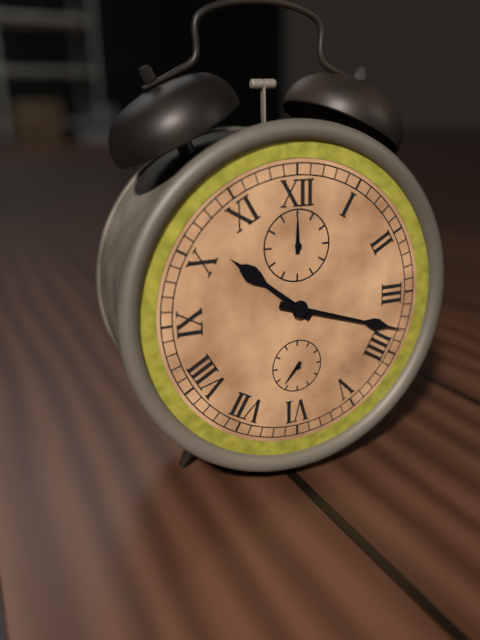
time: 10:18
